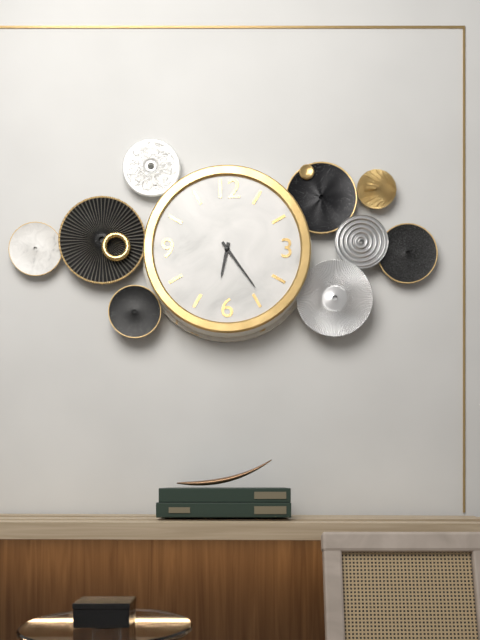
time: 6:24
